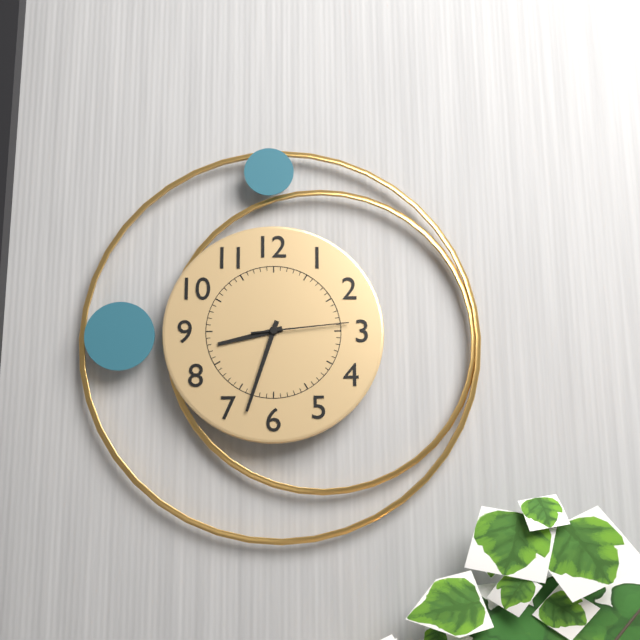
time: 8:33:14
